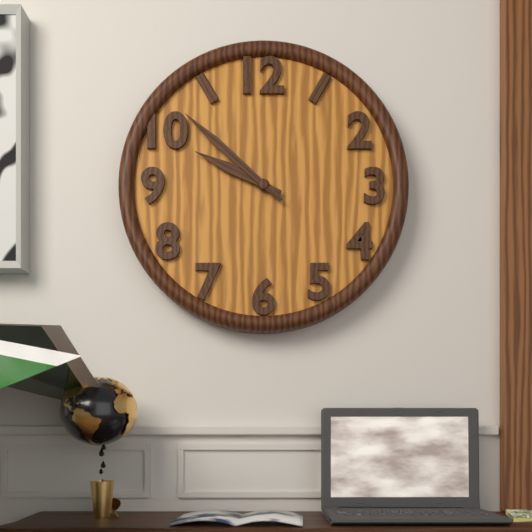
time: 9:52
